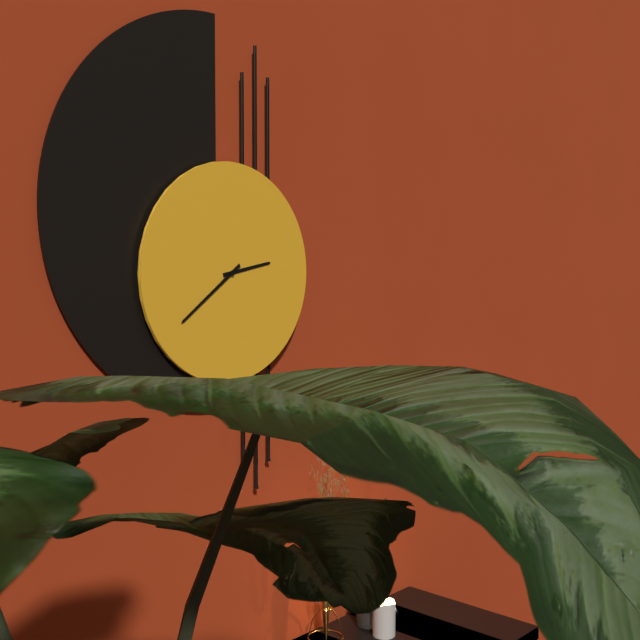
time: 2:39
